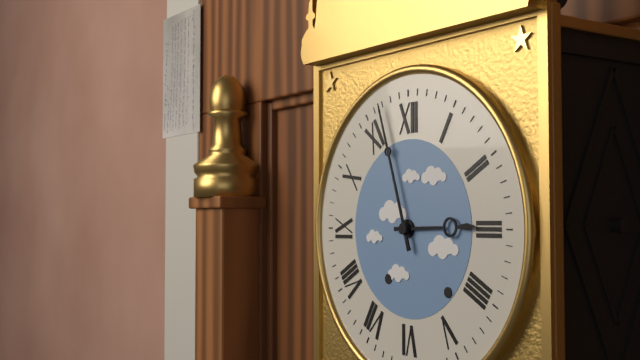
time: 2:57
